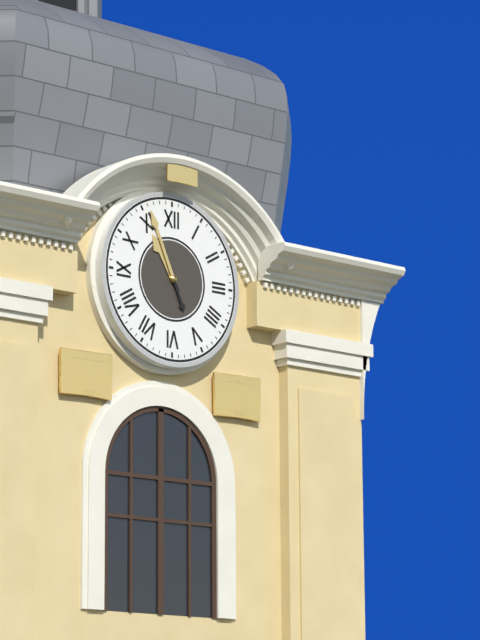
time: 10:56
